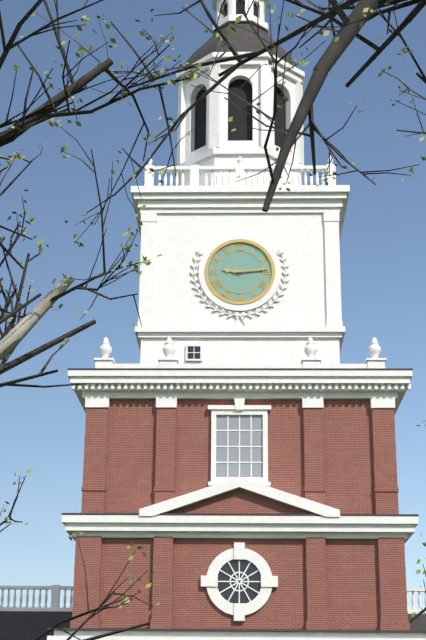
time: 9:14
